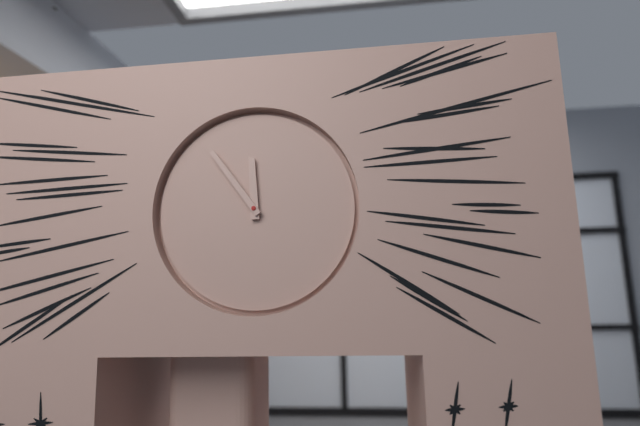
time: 11:54
